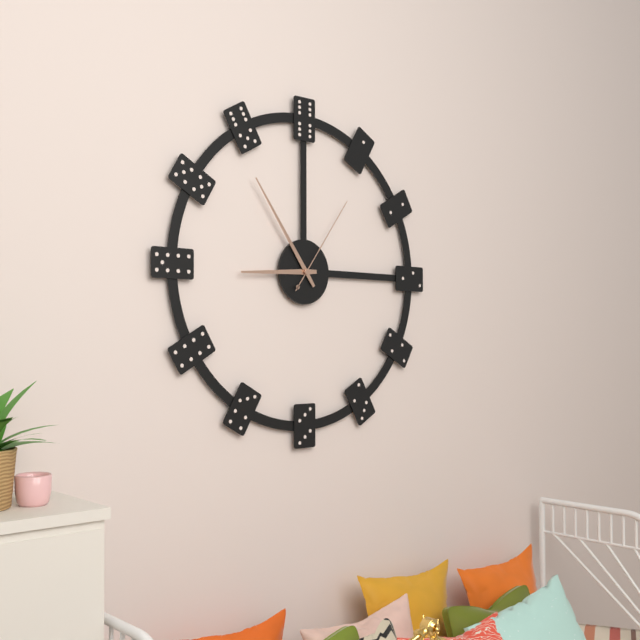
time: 8:54:06
